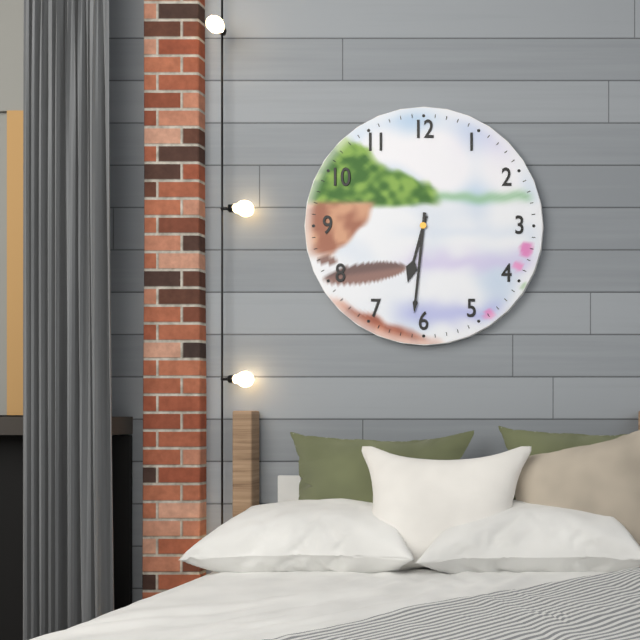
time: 6:31
